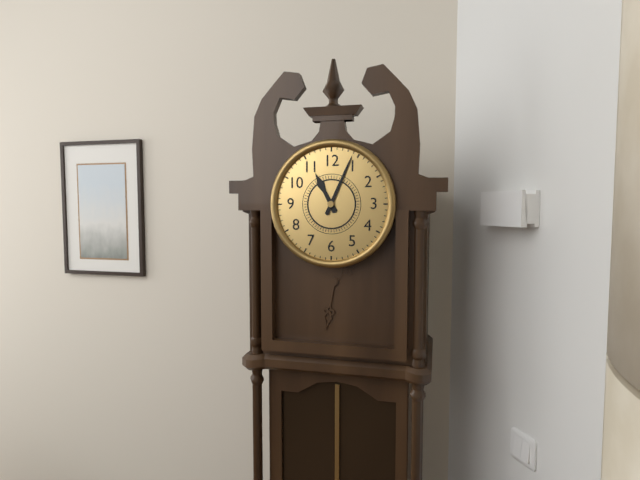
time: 11:04
